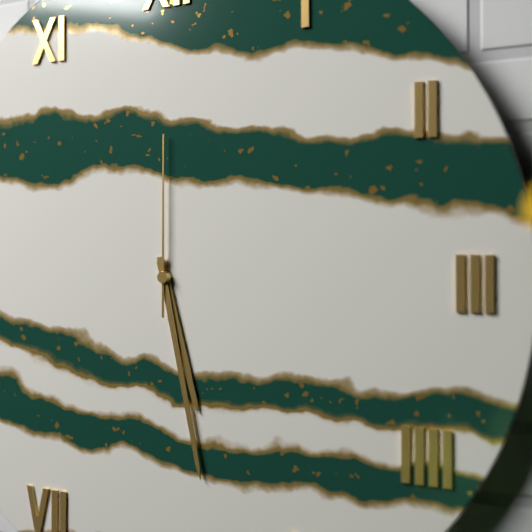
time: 5:28:00
